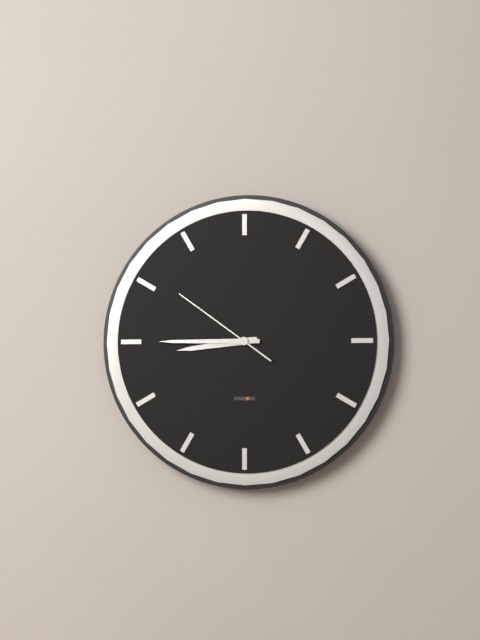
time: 8:45:51
